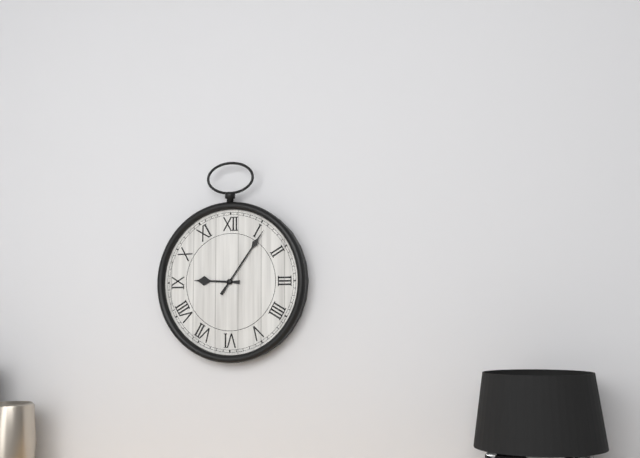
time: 9:06
